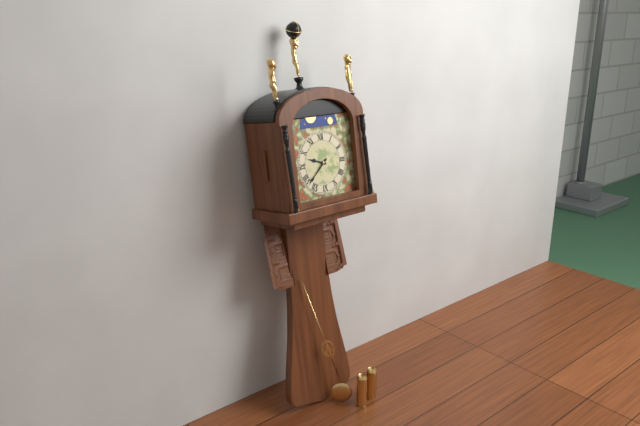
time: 9:38
